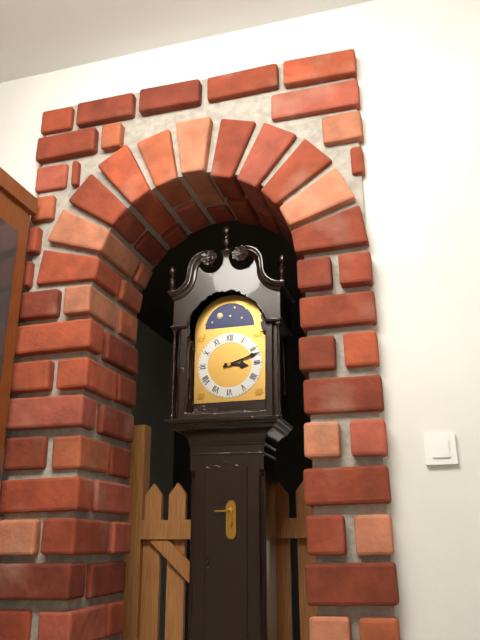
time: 3:12
